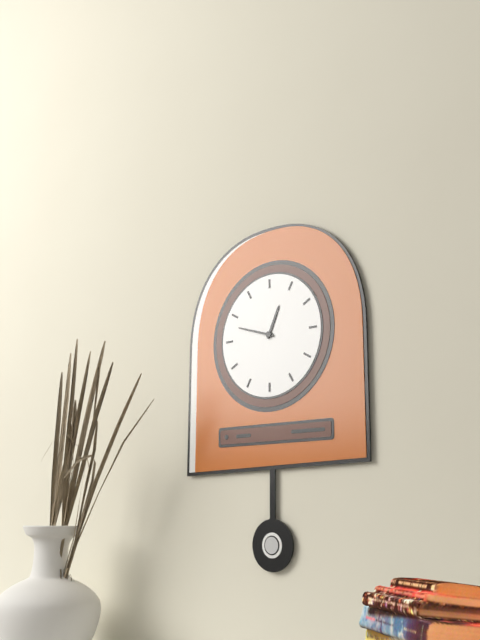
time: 12:48
